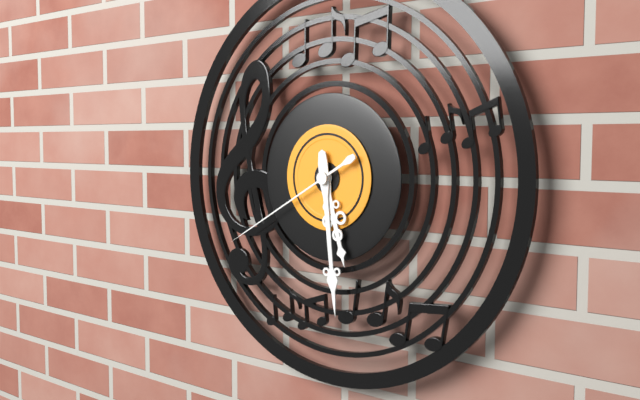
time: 5:29:40
